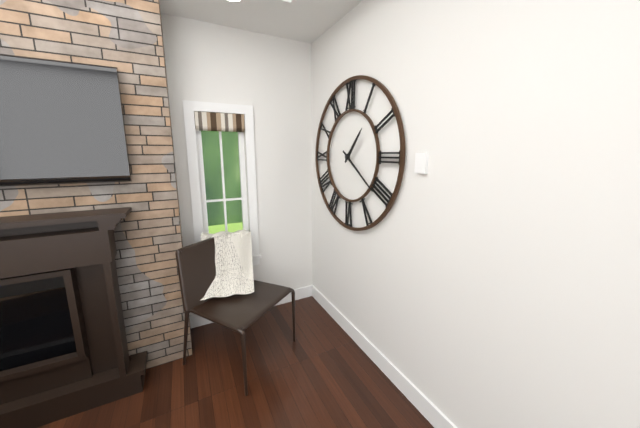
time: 1:21
